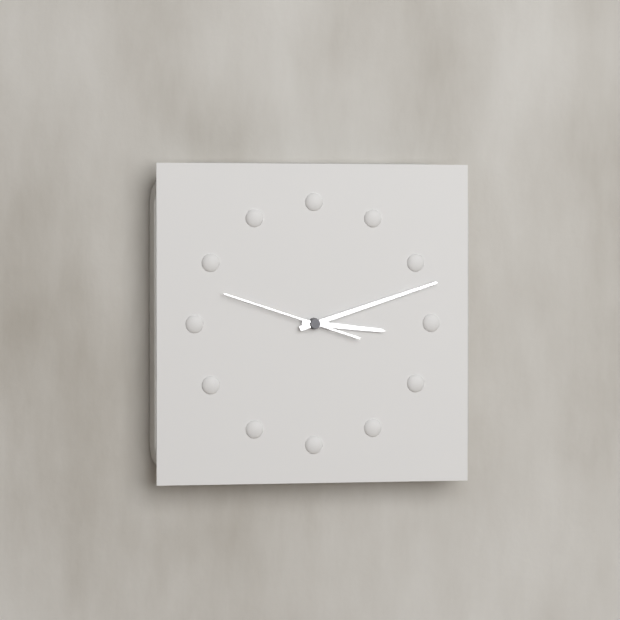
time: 3:12:48
